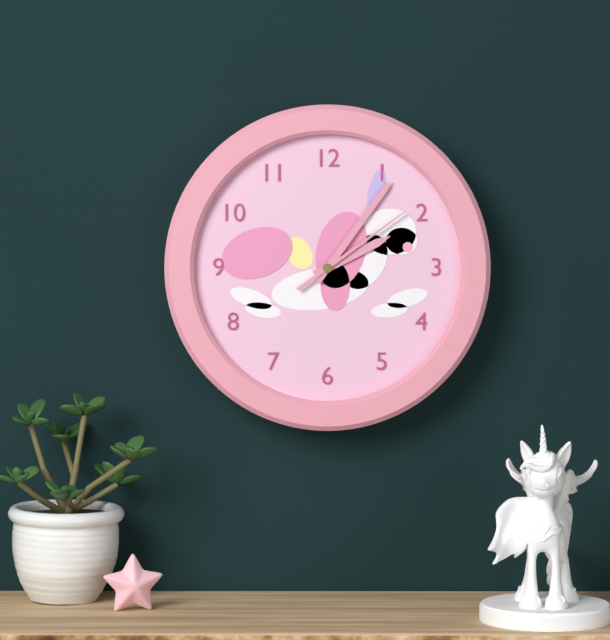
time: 2:06:09
